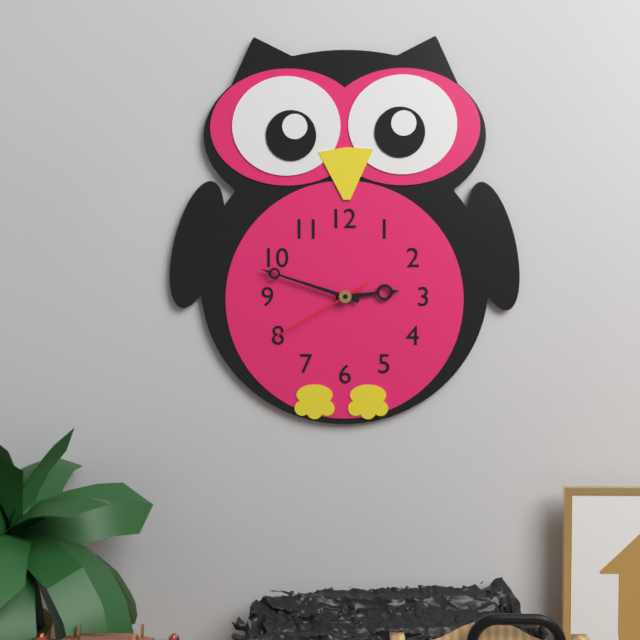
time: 2:48:40
